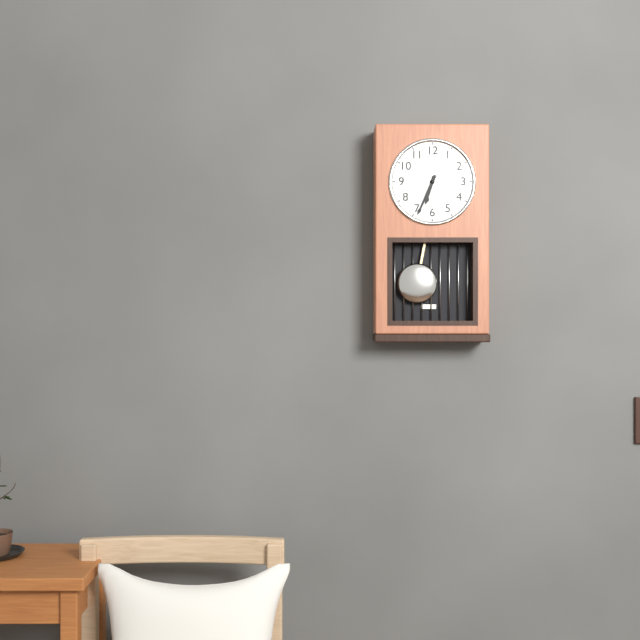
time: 6:34
